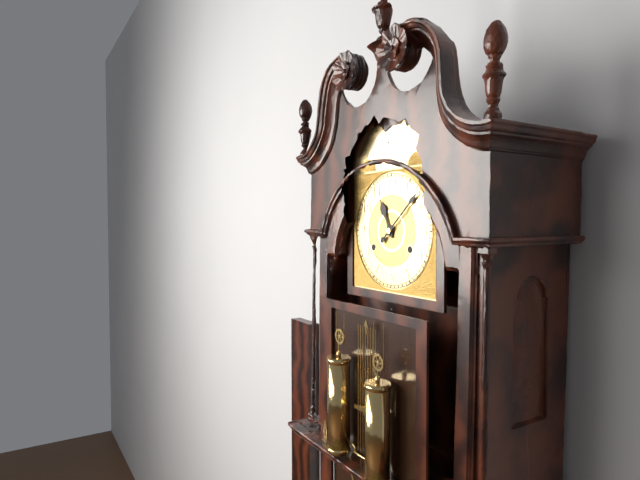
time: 11:08
